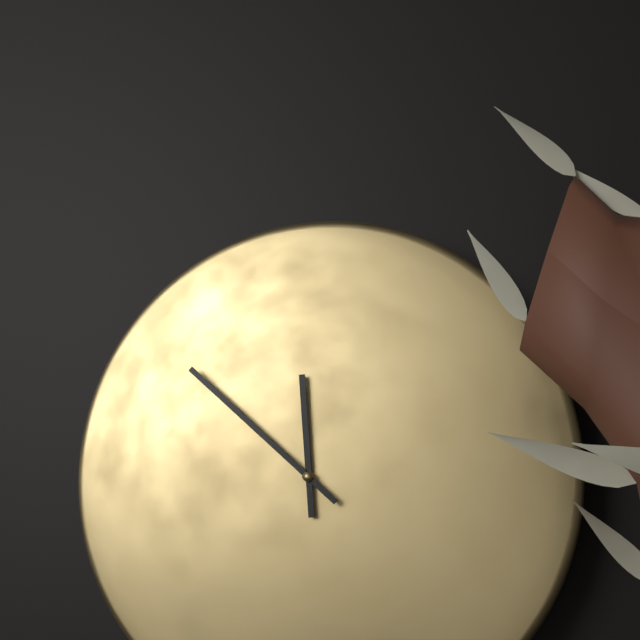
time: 11:52
